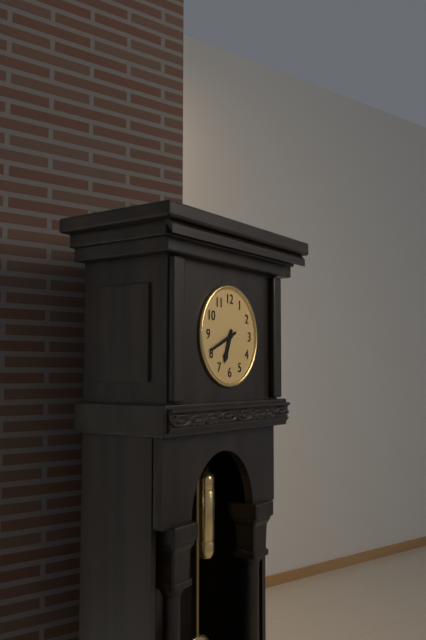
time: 6:41
